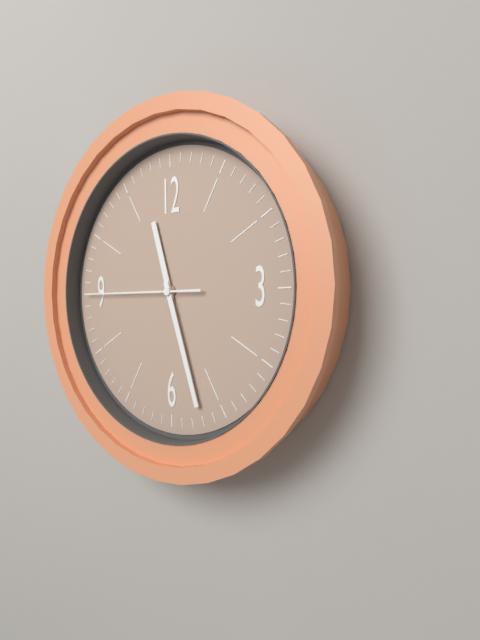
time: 11:27:45
